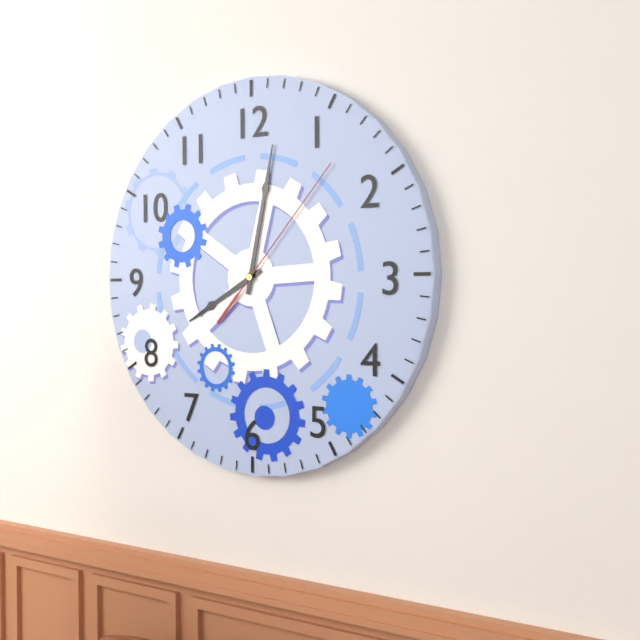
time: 8:02:07
